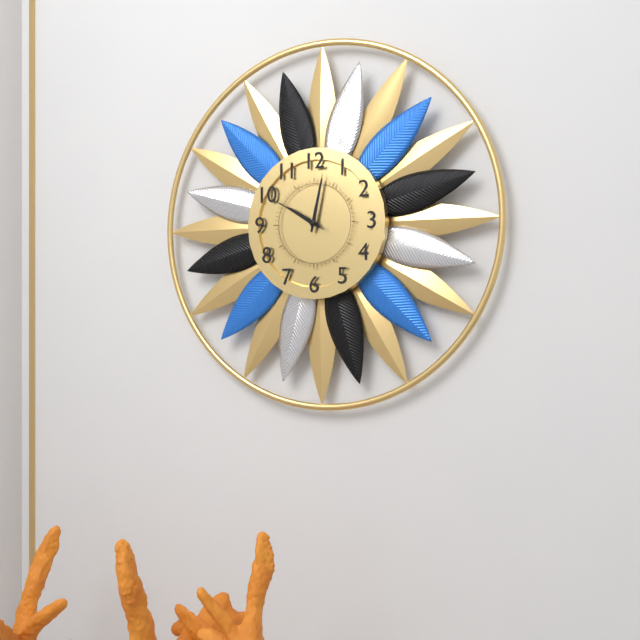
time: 10:02:50
